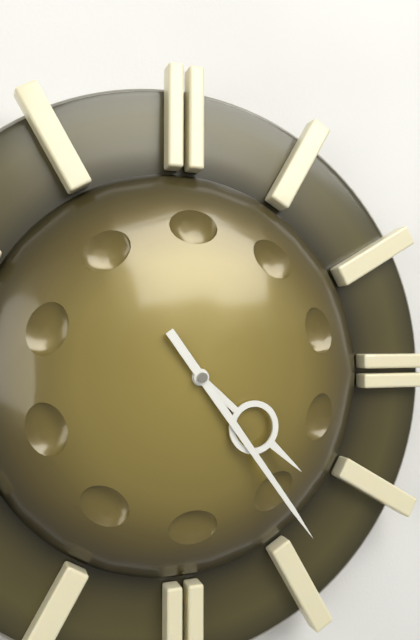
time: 4:24
